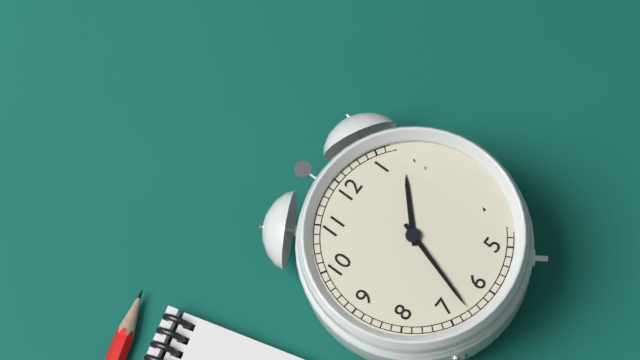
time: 1:33
